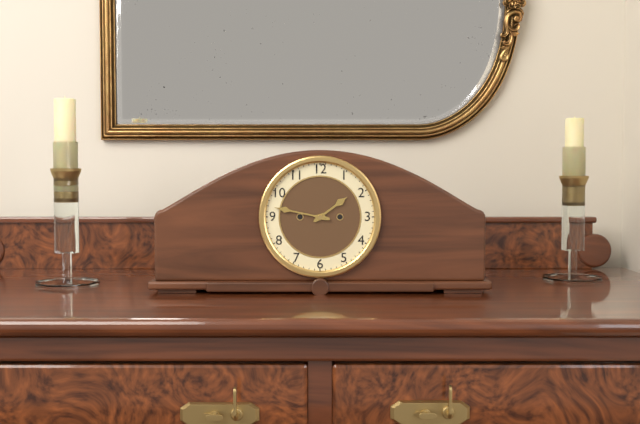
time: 1:47
